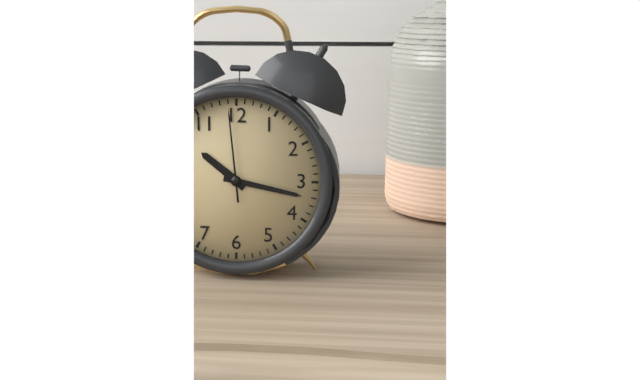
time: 10:17:59
